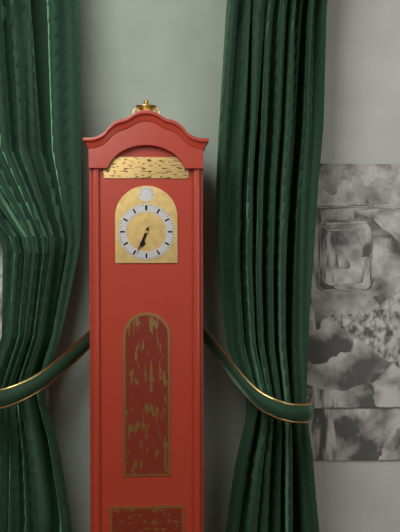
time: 6:34
